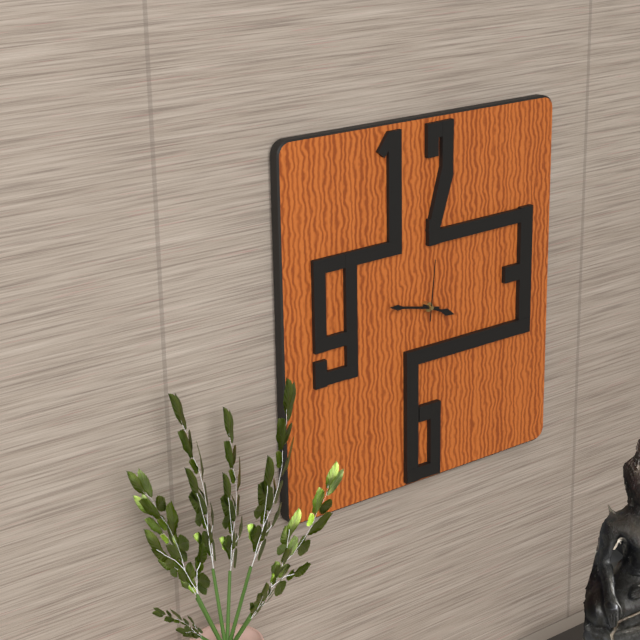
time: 3:47:01
